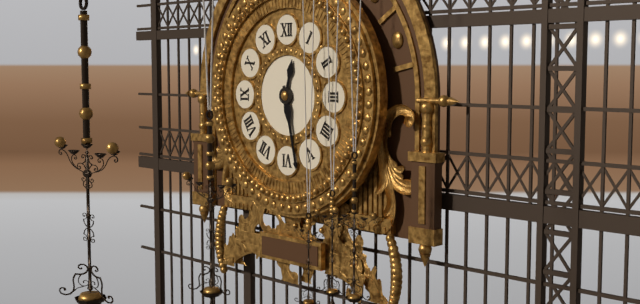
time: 12:28
